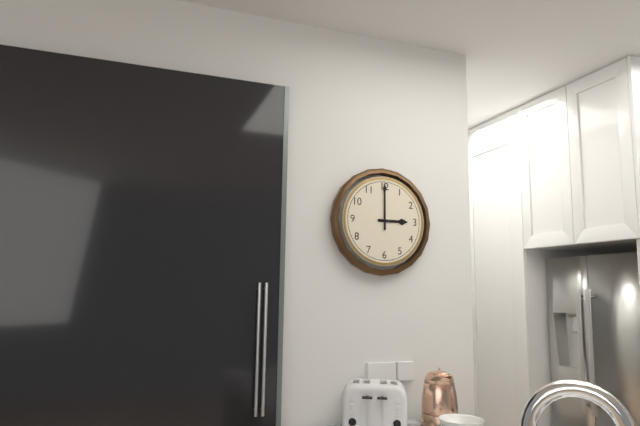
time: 3:00
